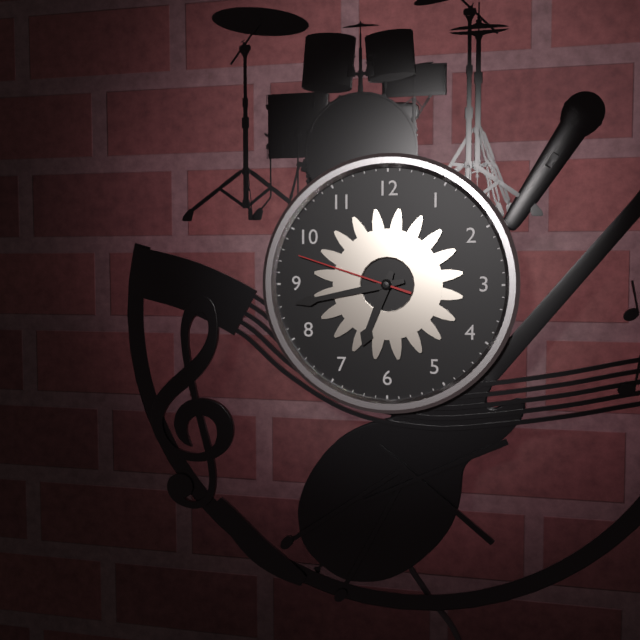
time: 6:43:48
